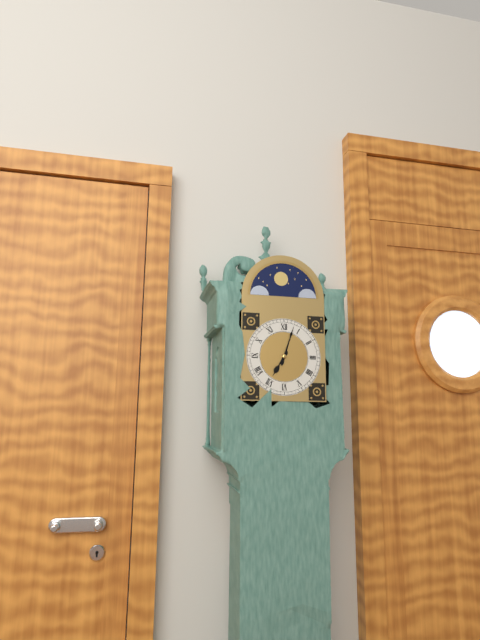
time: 7:03
